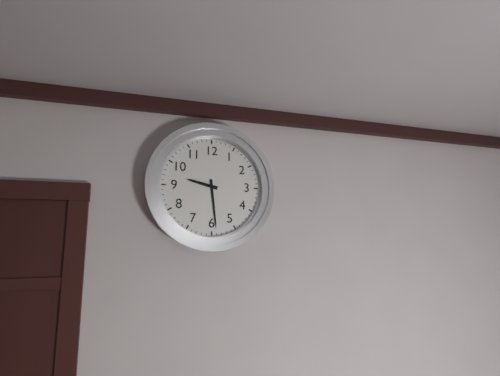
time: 9:29
